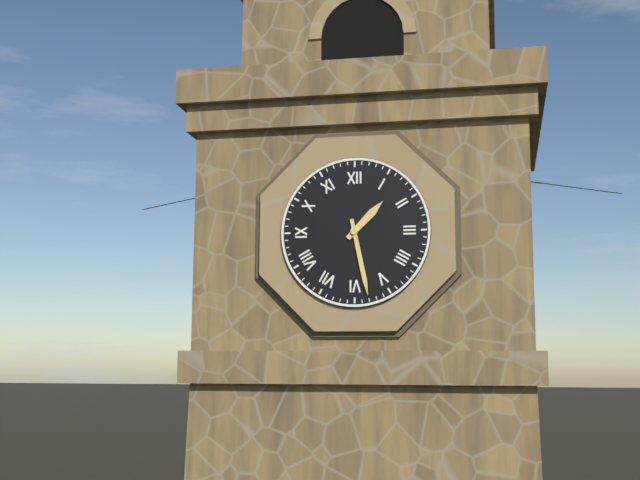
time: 1:28
